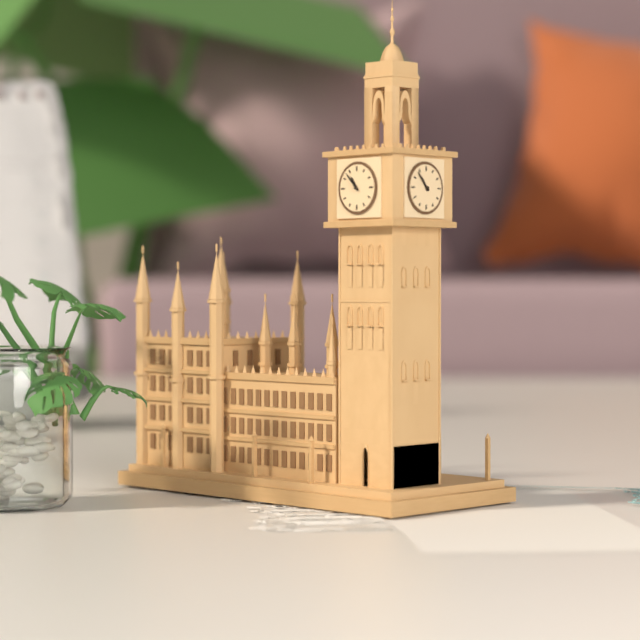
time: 10:53
